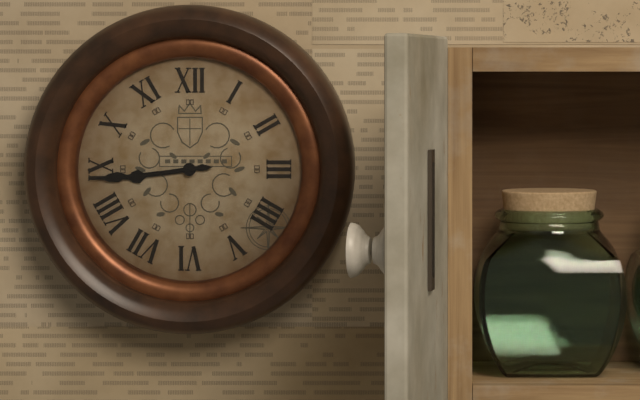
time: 8:44
